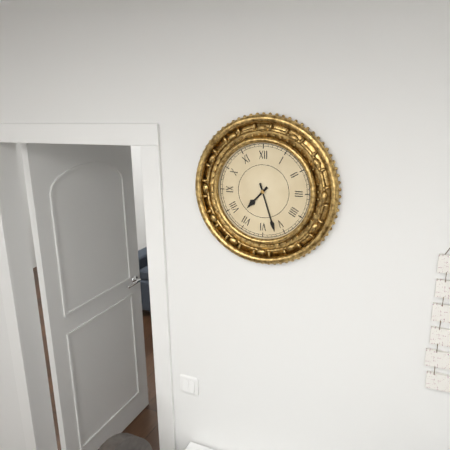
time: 7:27
